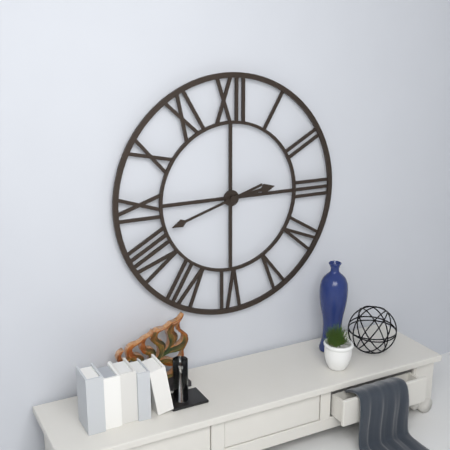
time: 2:42
